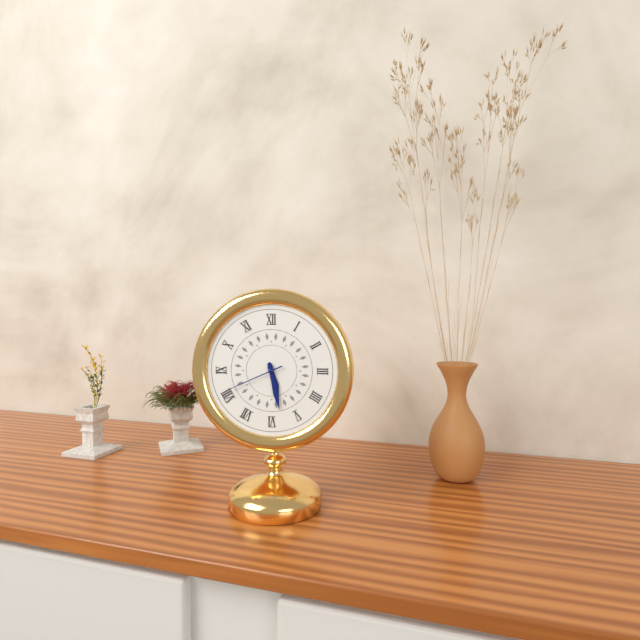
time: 5:28:41
